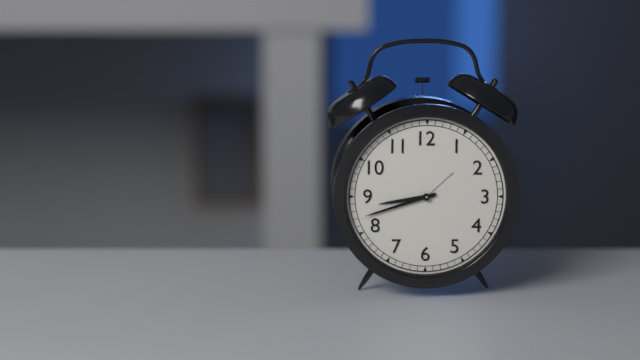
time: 8:42
